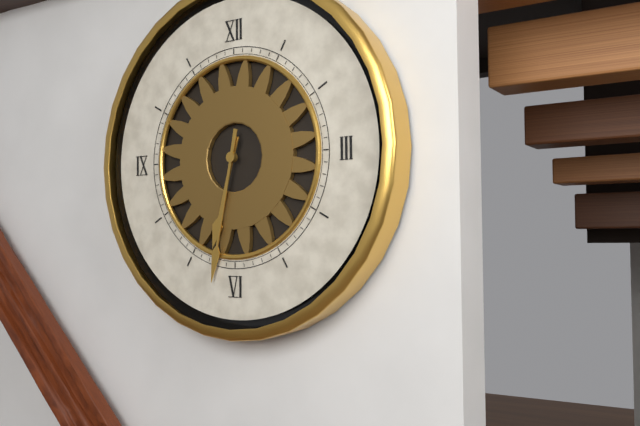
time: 6:32
